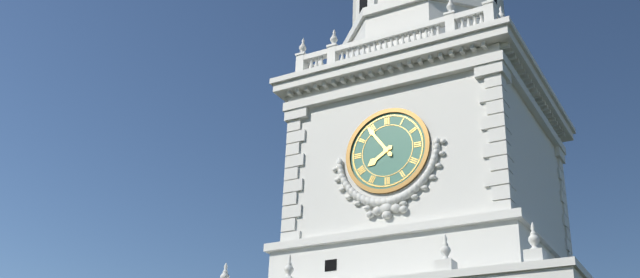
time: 7:54
